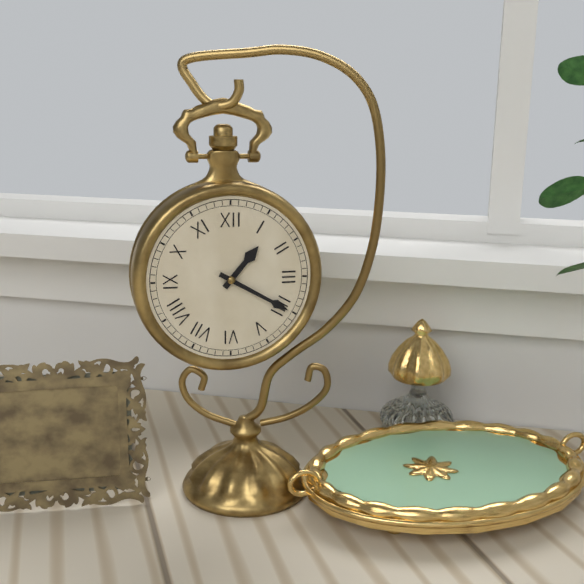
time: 1:20
